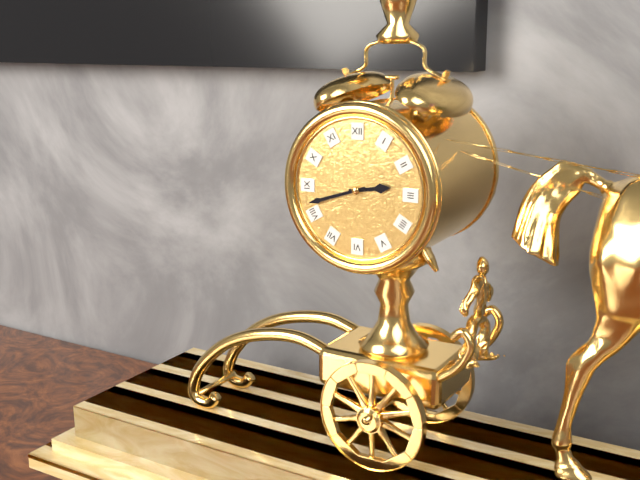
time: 2:42
